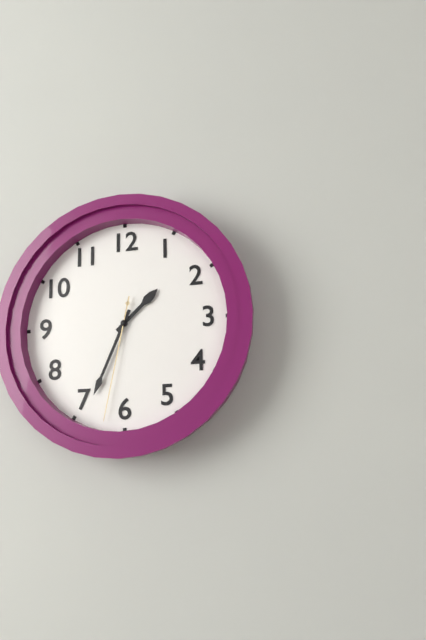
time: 1:34:32
